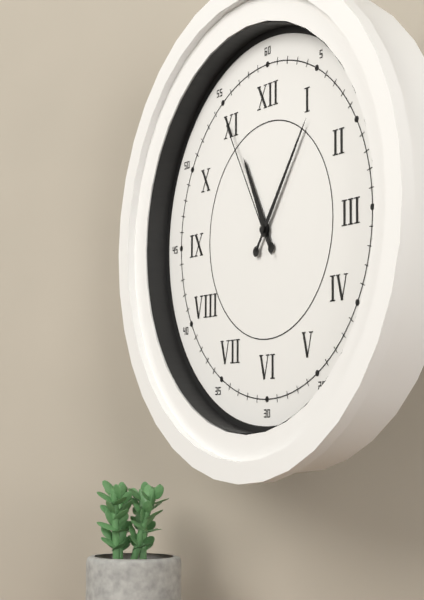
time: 11:06:55
